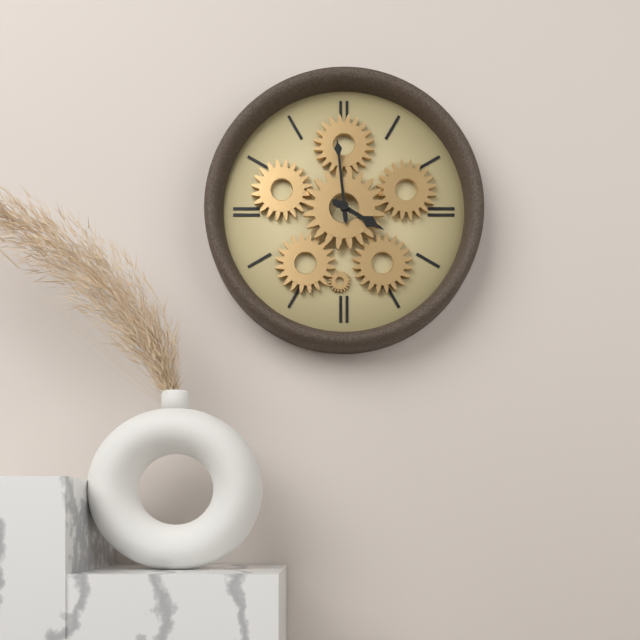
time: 3:59
